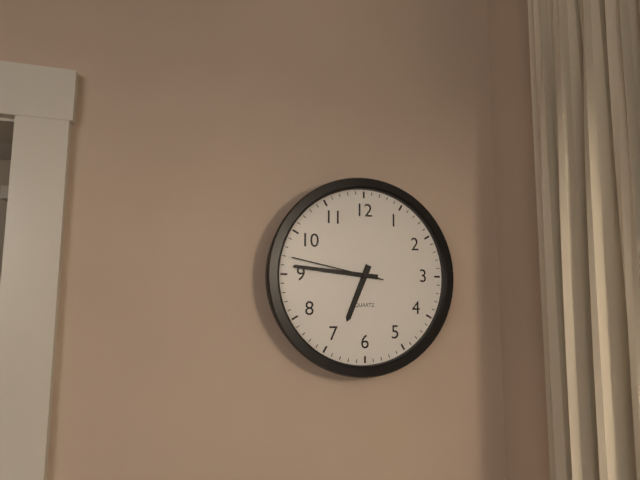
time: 6:46:47
